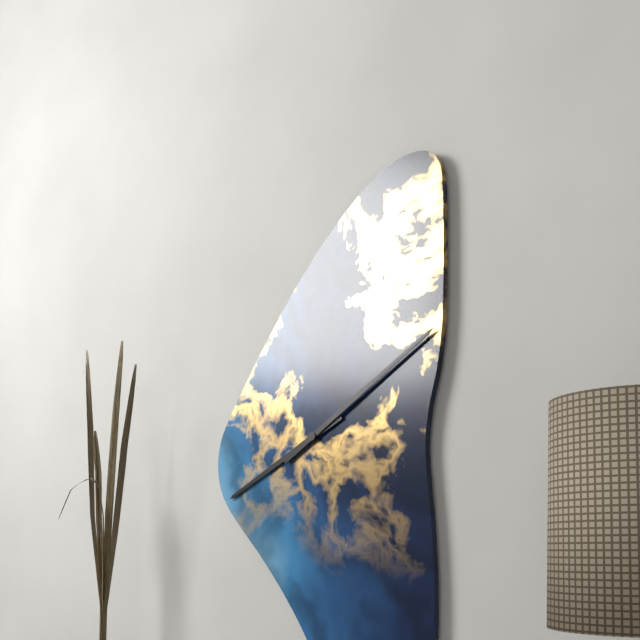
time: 8:10
